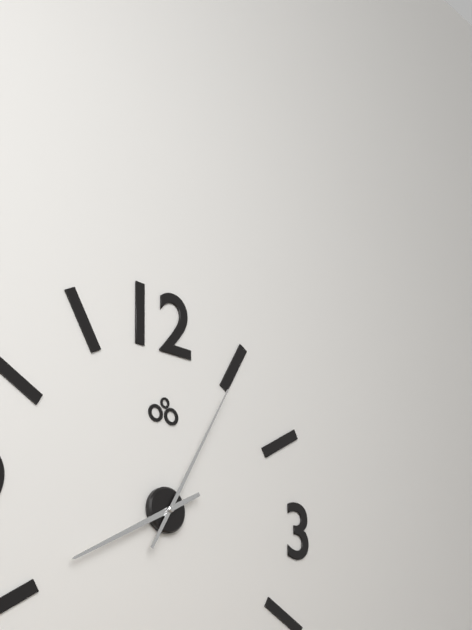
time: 8:05
